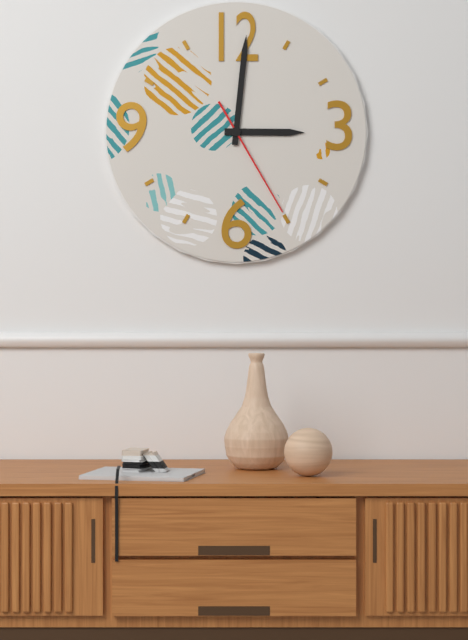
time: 3:01:25
